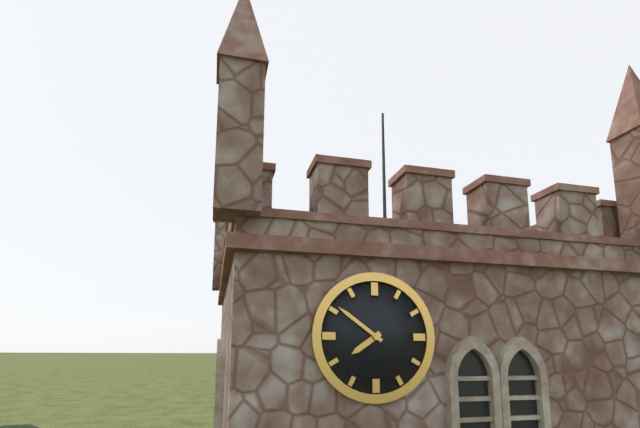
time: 7:51
